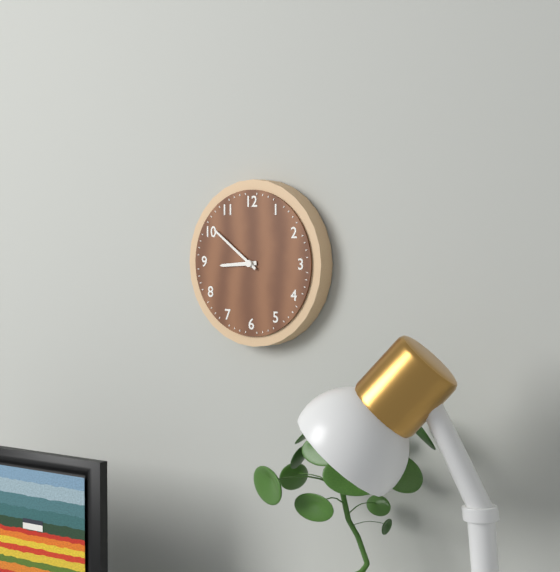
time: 8:51
